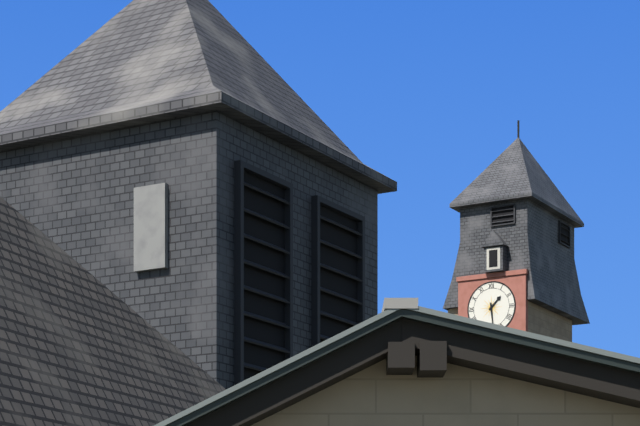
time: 1:29
